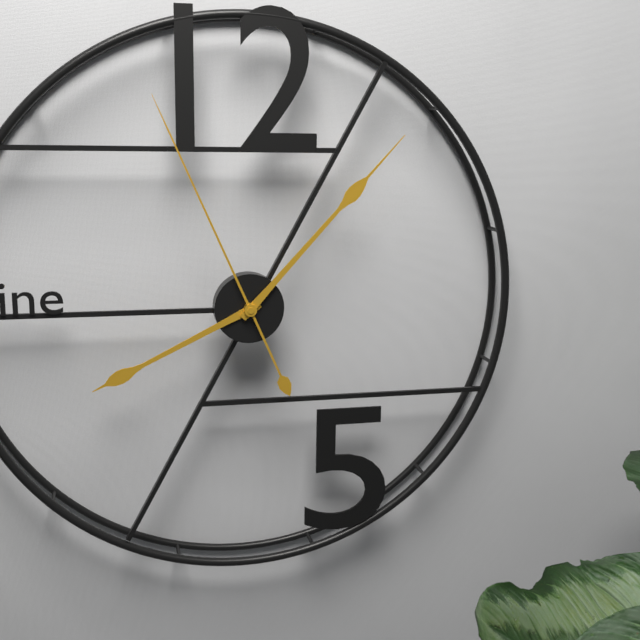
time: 8:07:56
